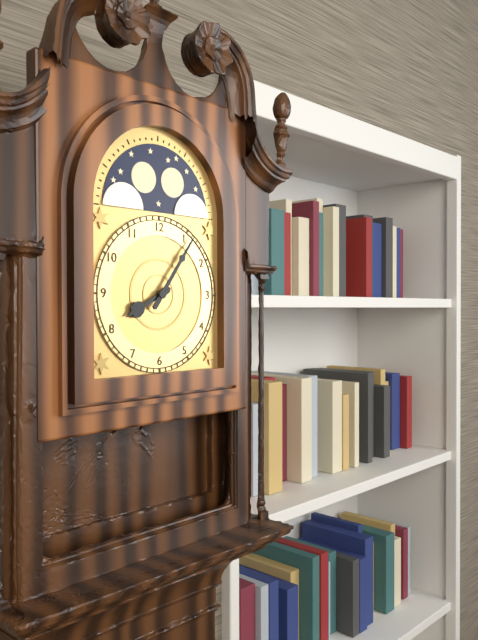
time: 8:06
